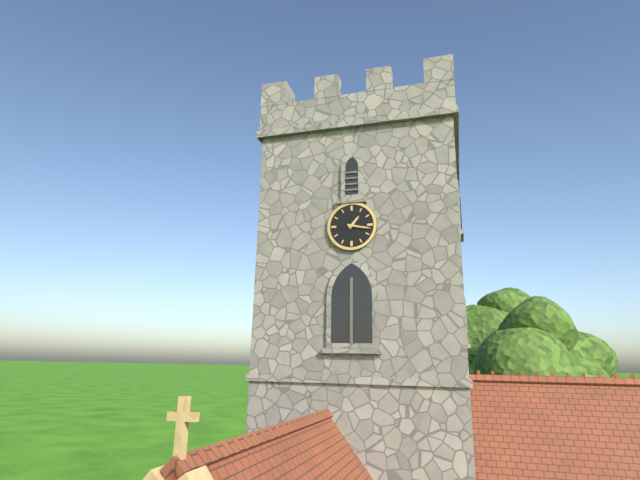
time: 1:17
